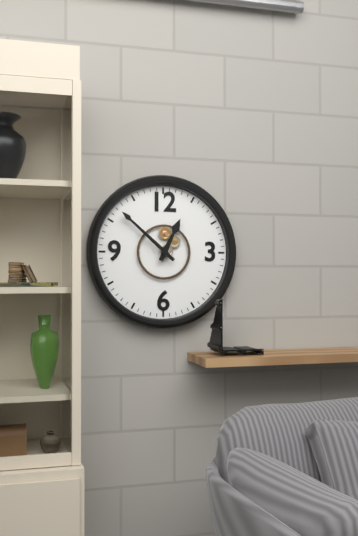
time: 12:52
